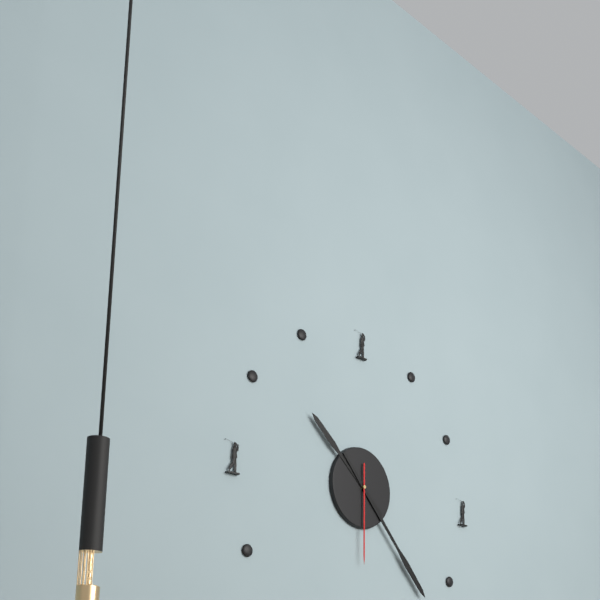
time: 10:23:30
